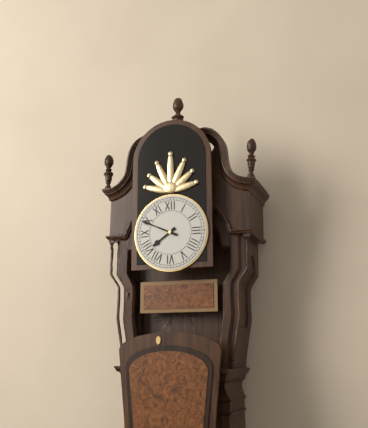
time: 7:49
